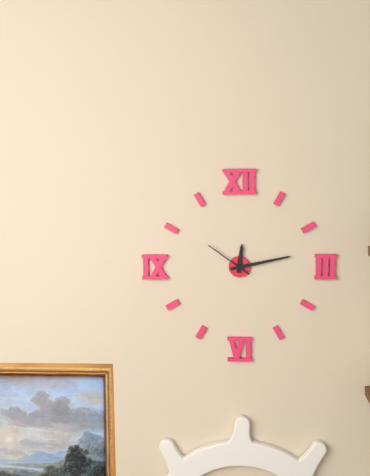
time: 12:13
